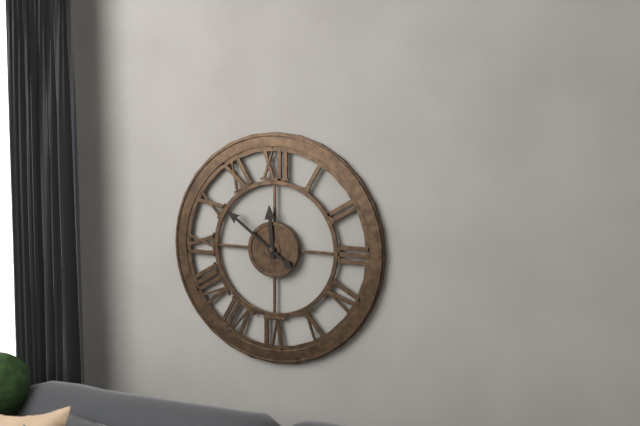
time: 11:51
